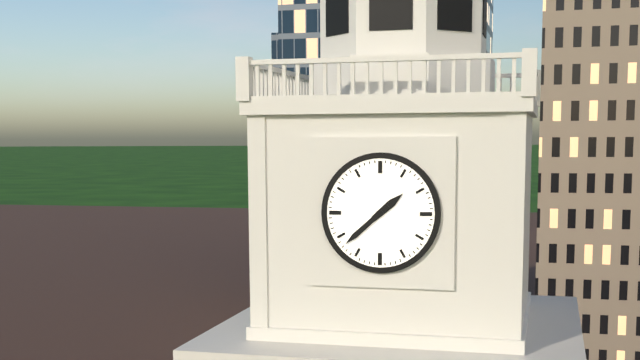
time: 1:38
